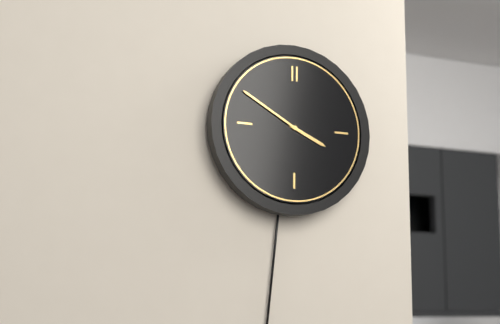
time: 3:50
